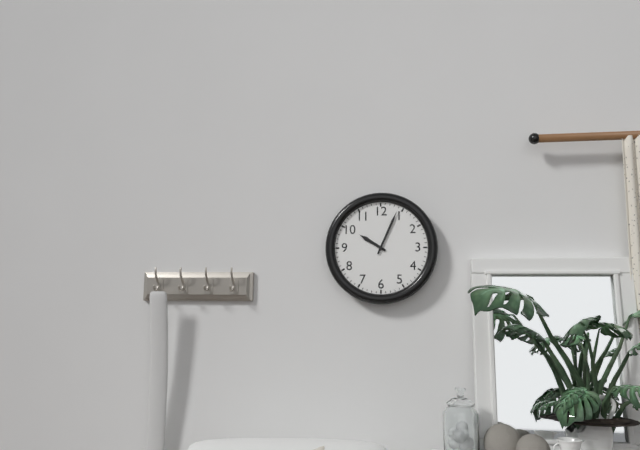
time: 10:04
